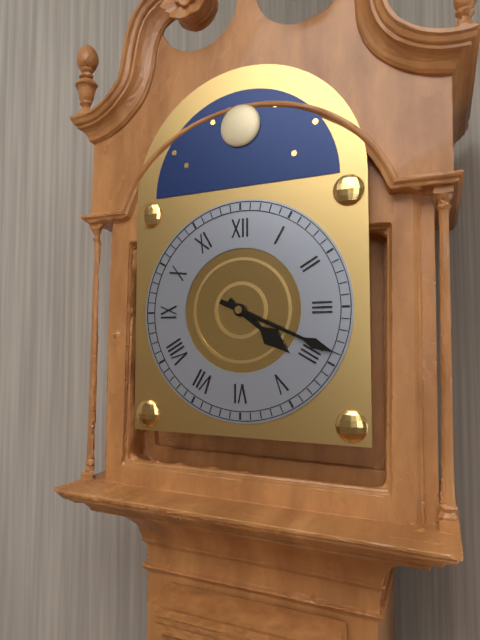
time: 4:19
